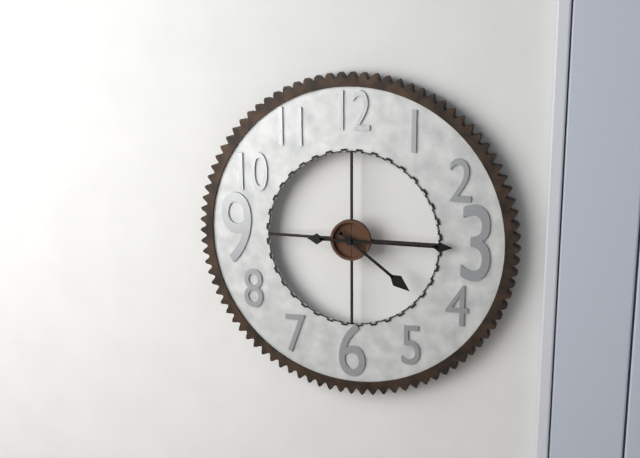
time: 4:15
